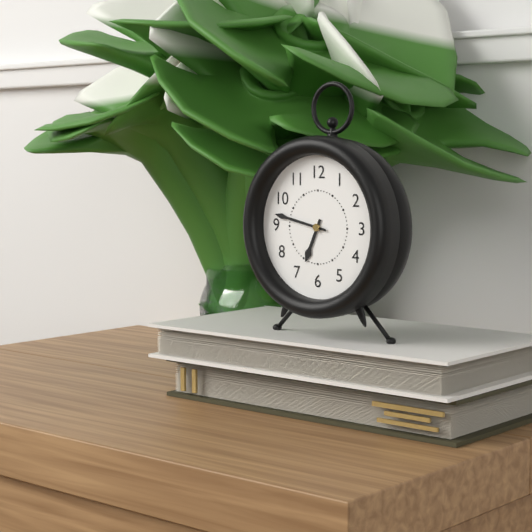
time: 6:47
